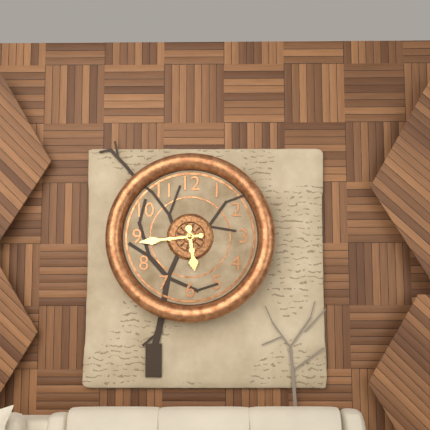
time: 5:44
